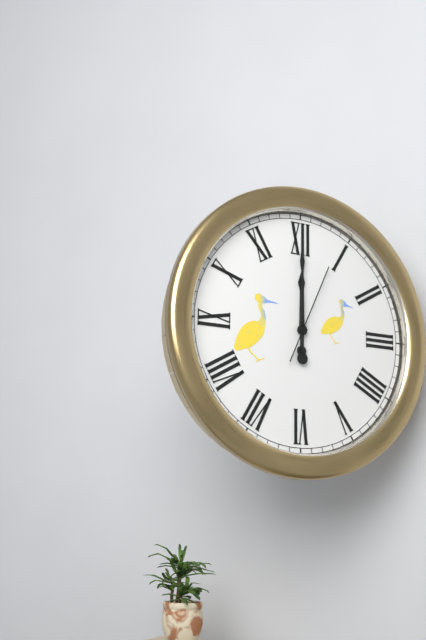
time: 12:00:04
